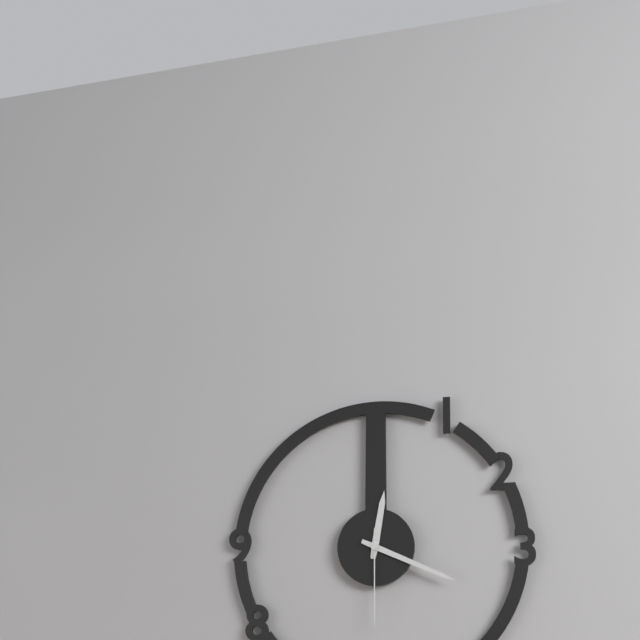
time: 12:19:30
